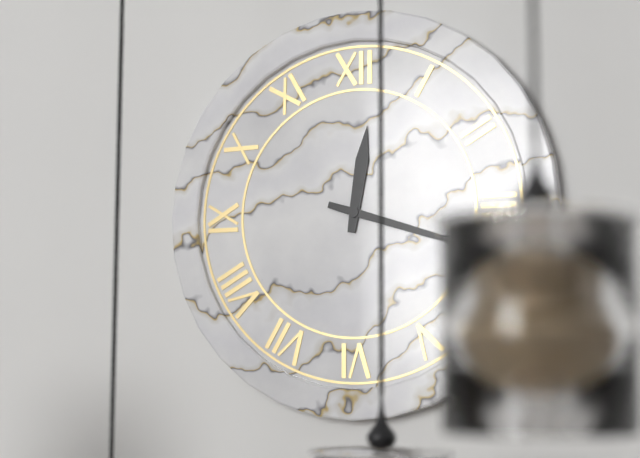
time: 12:18
